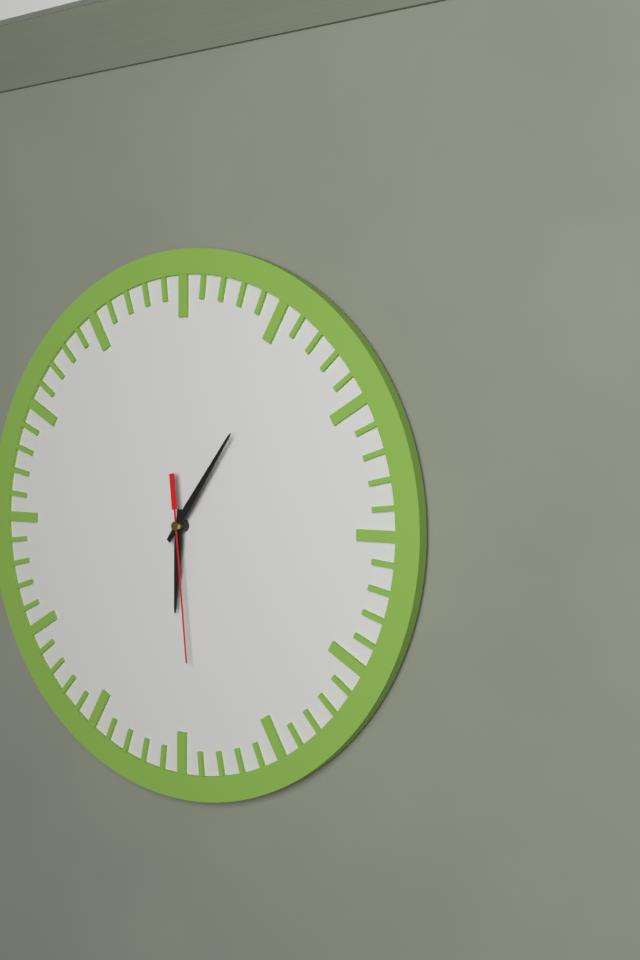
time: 6:06:29
